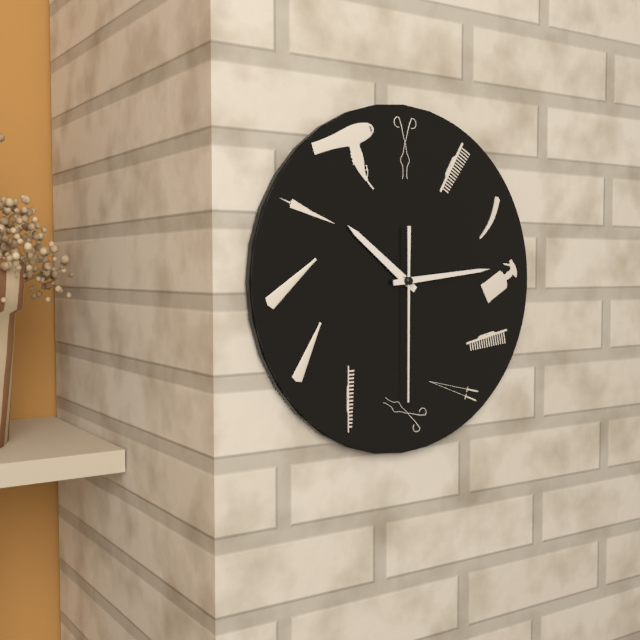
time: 10:14:30
